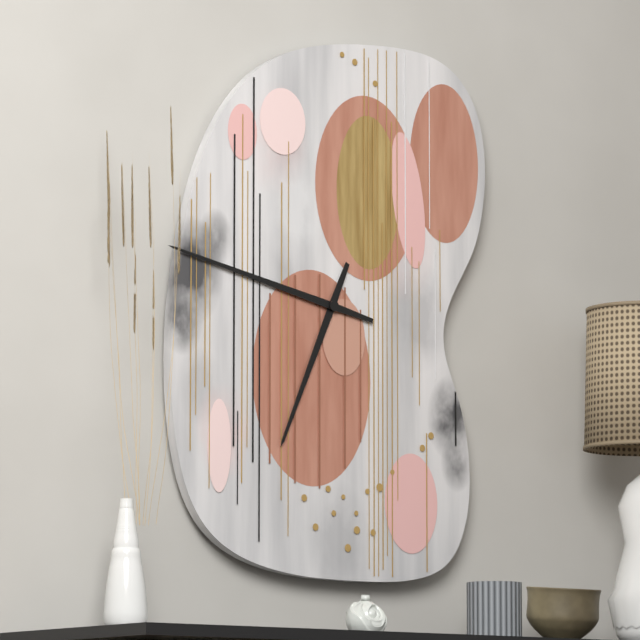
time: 6:47
